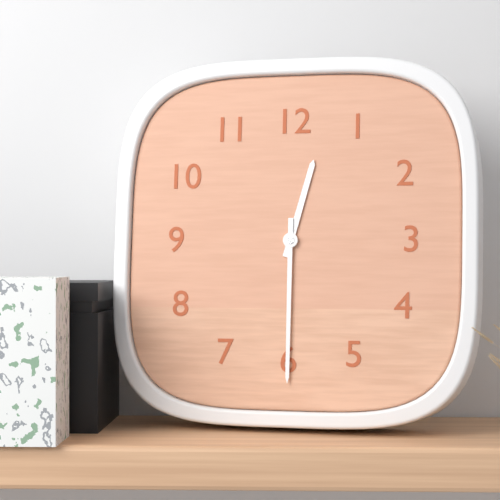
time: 12:30
